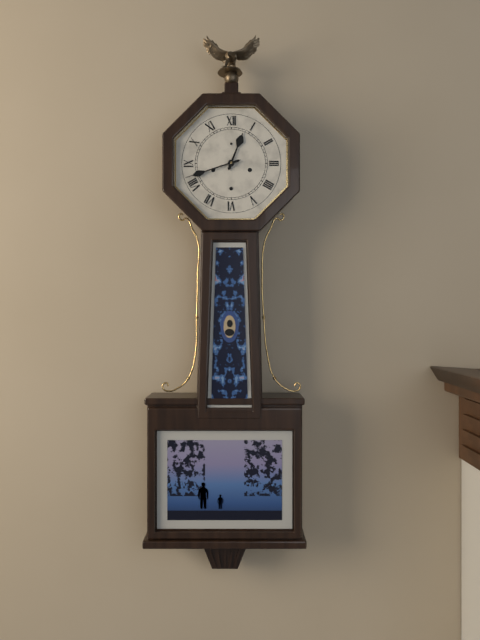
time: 12:42
